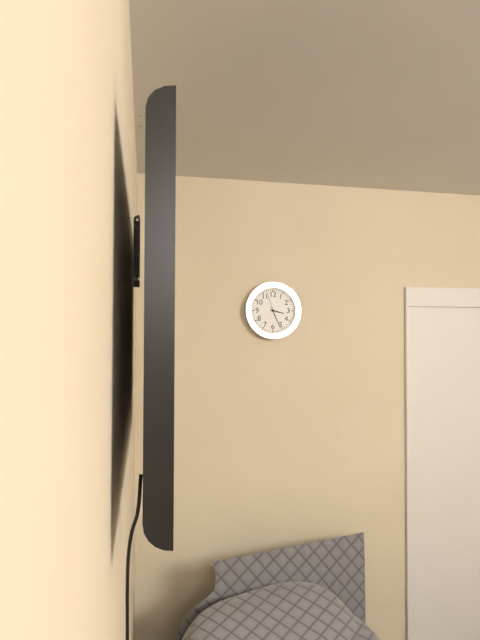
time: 3:26
